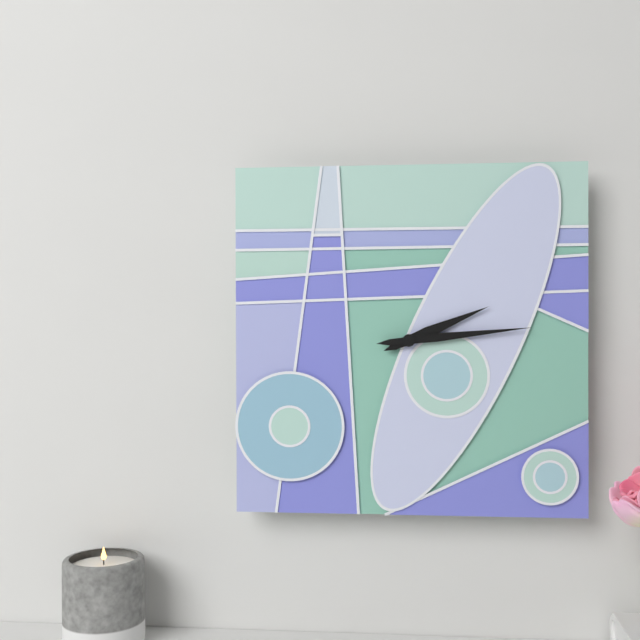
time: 2:14
